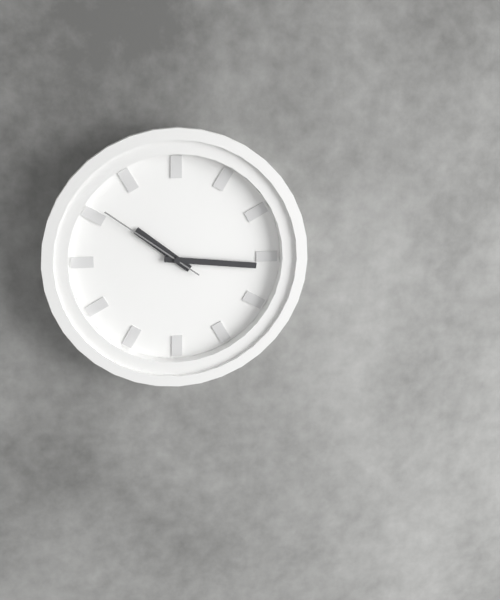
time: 10:16:51
